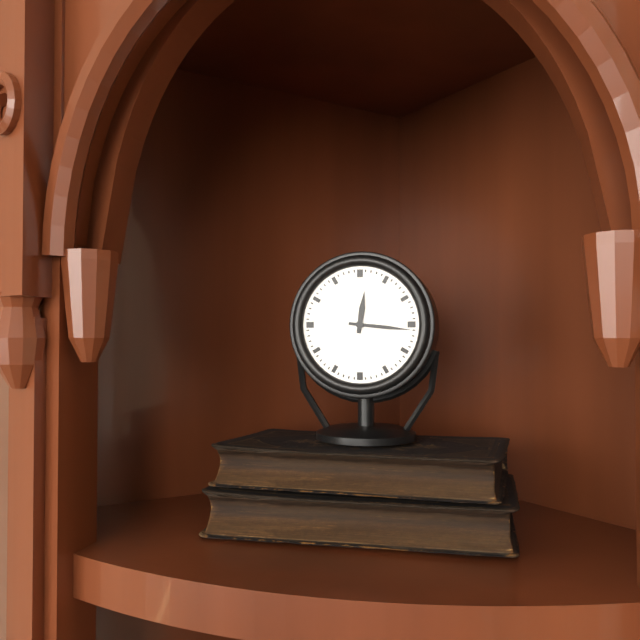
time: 12:16
